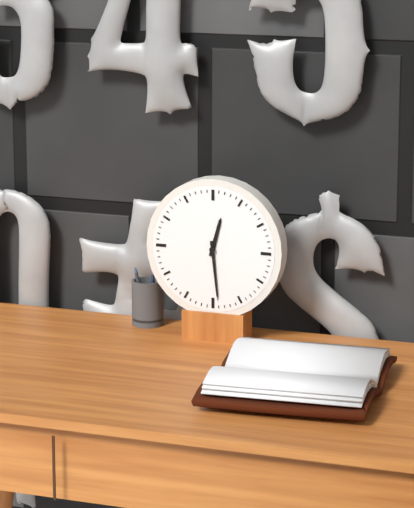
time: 12:29
